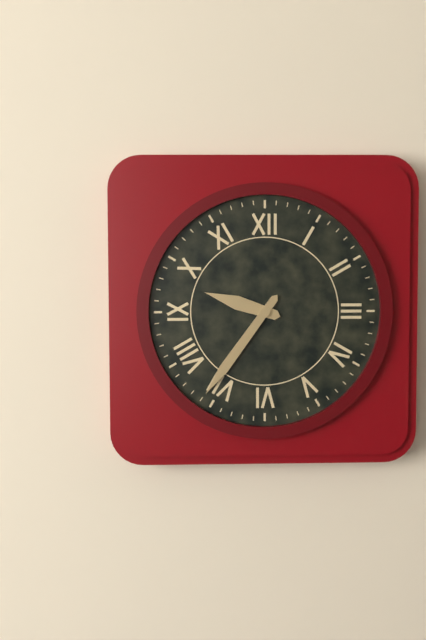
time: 9:36
